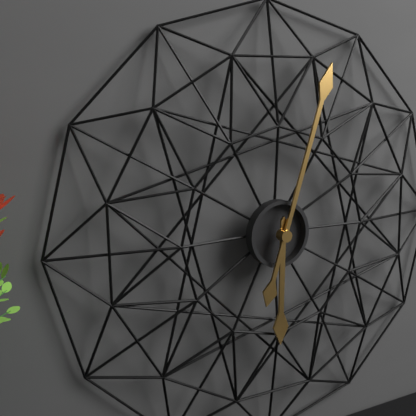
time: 6:03
